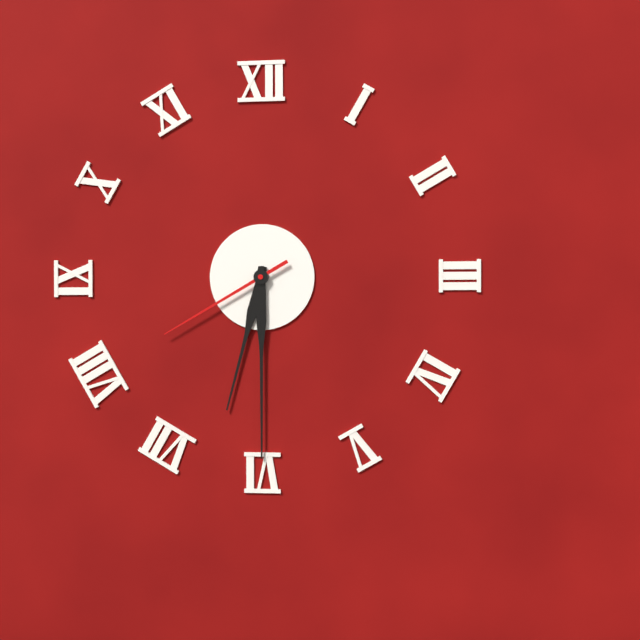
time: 6:30:40
